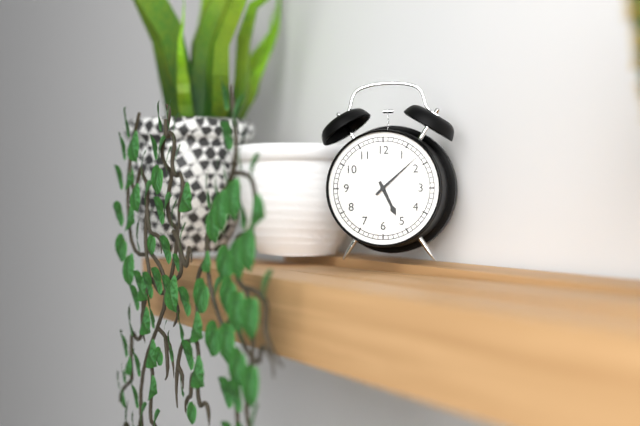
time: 5:08
